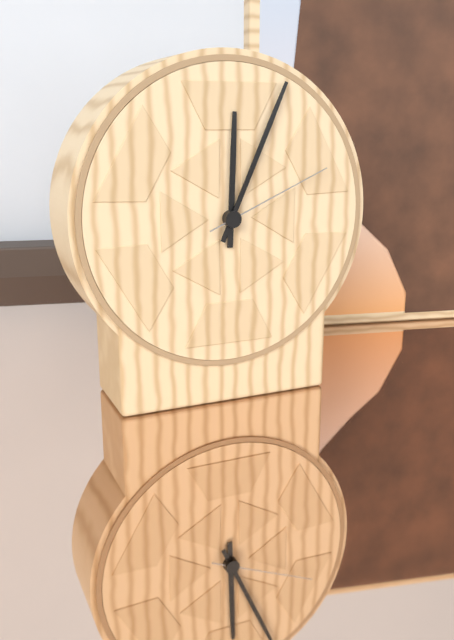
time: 12:04:11
